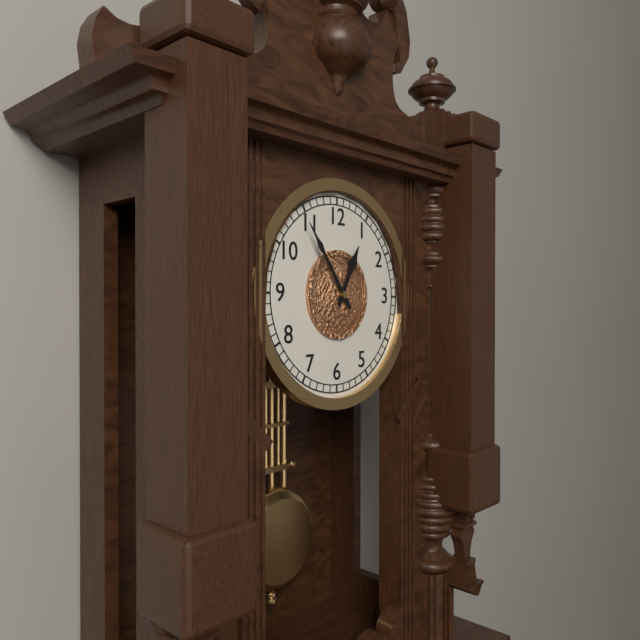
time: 12:54
